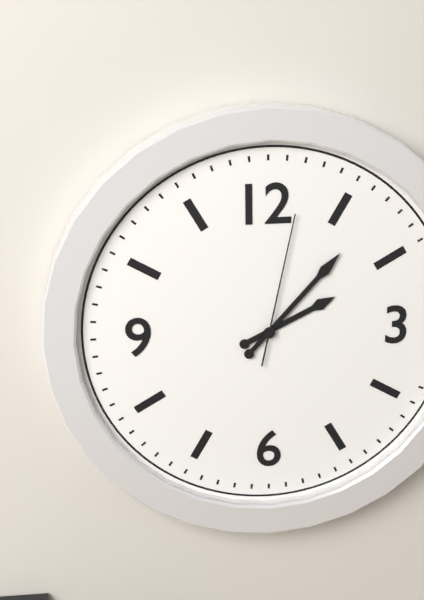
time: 2:07:02
